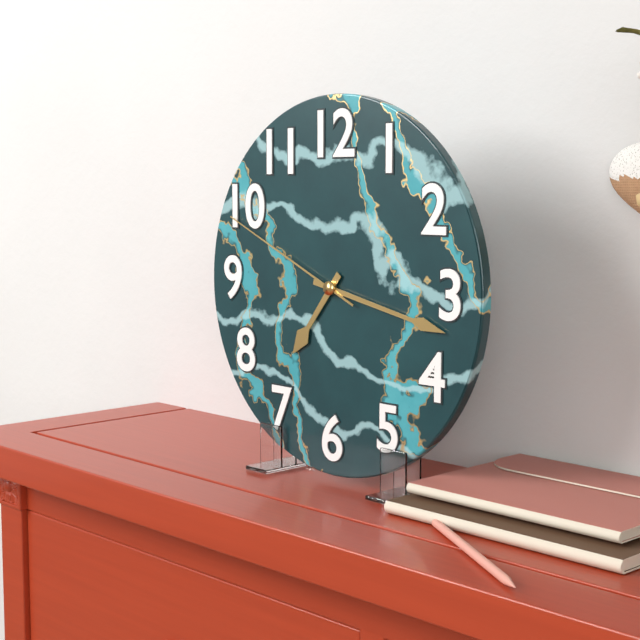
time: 7:17:49
